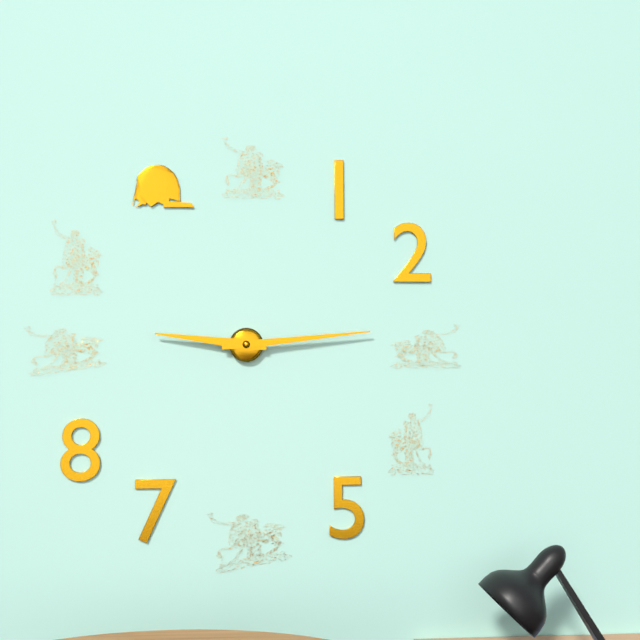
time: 9:14
